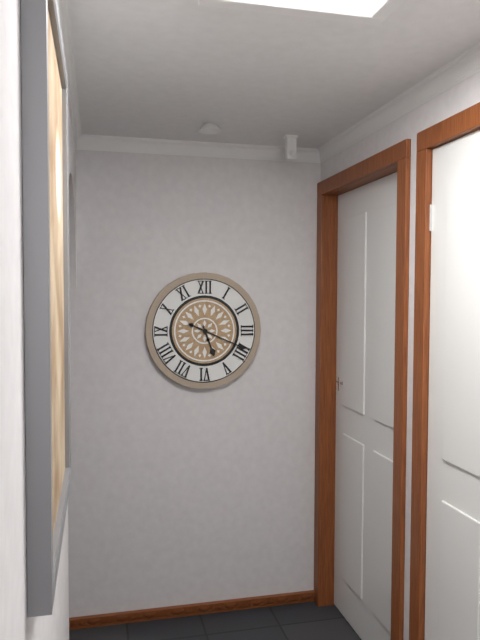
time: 5:19
